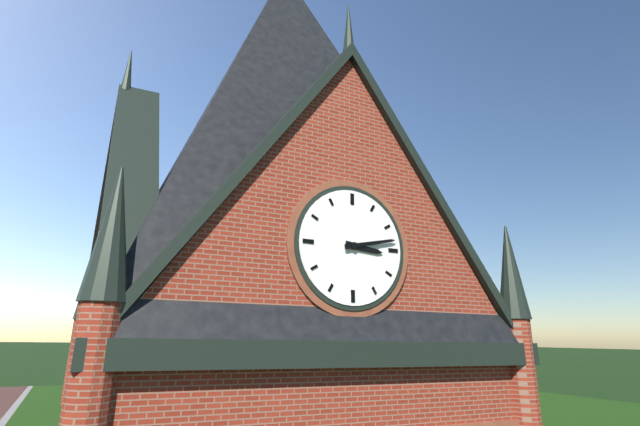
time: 3:13
